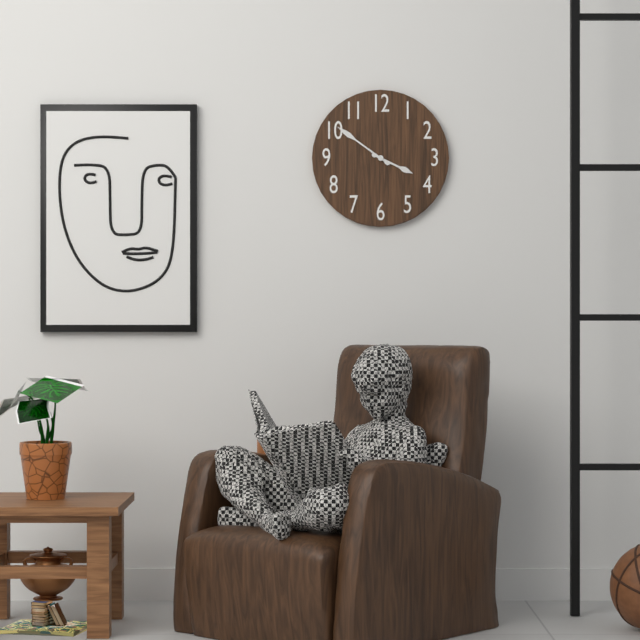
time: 3:51
